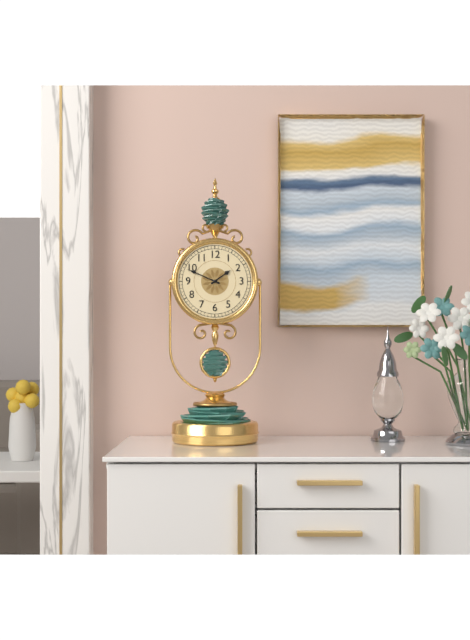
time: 1:49
